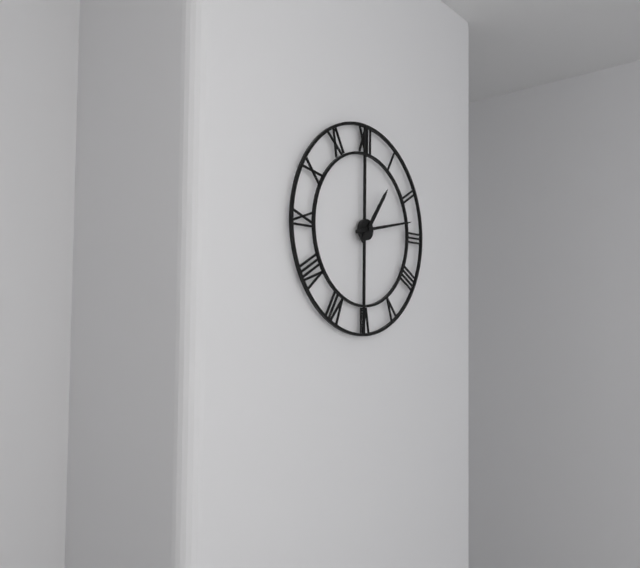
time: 1:13
